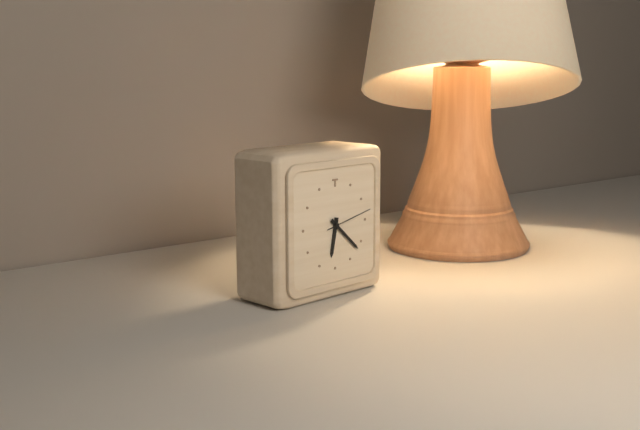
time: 6:22
